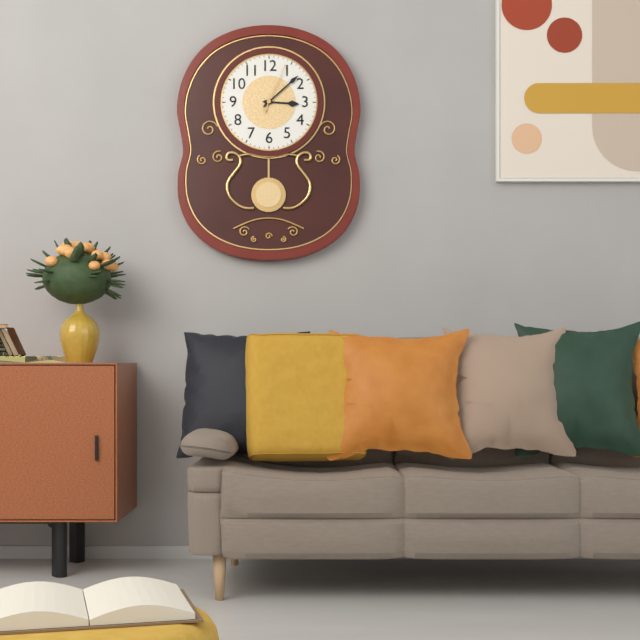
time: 3:08:04
